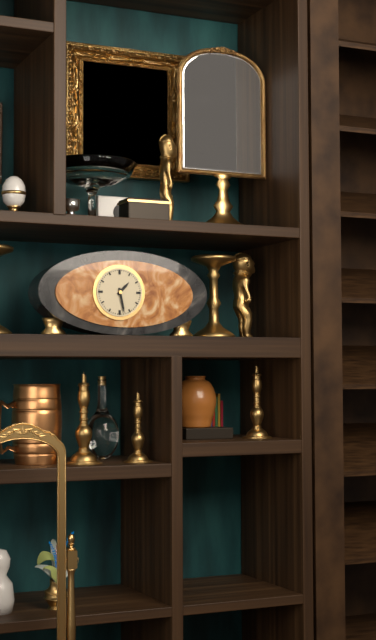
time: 1:28
